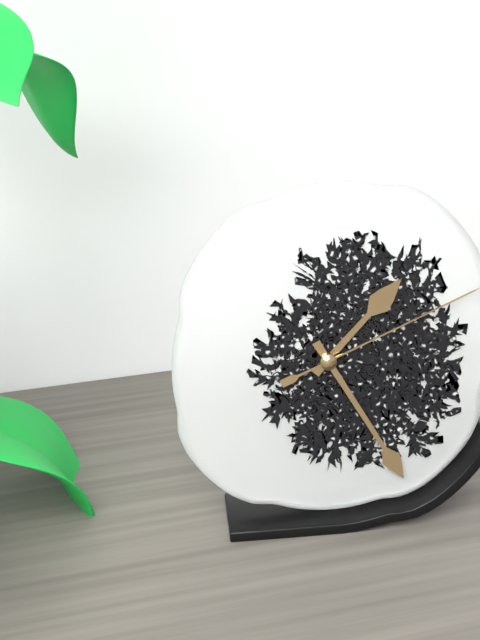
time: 1:25
